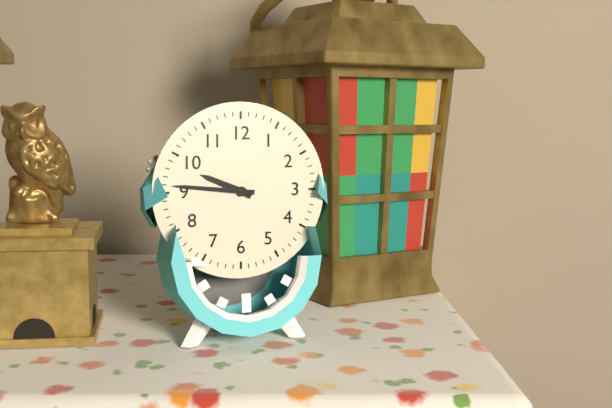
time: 9:46
